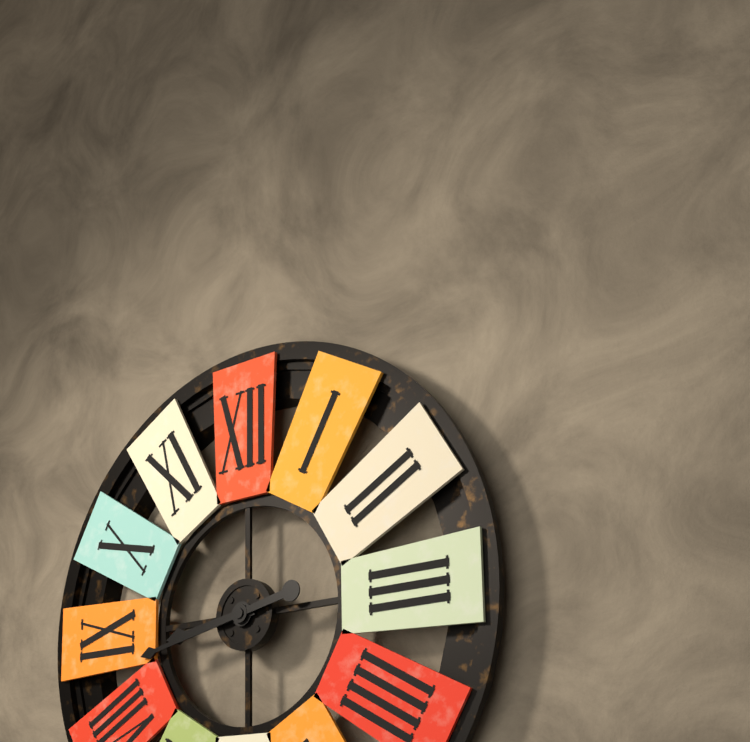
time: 8:43
